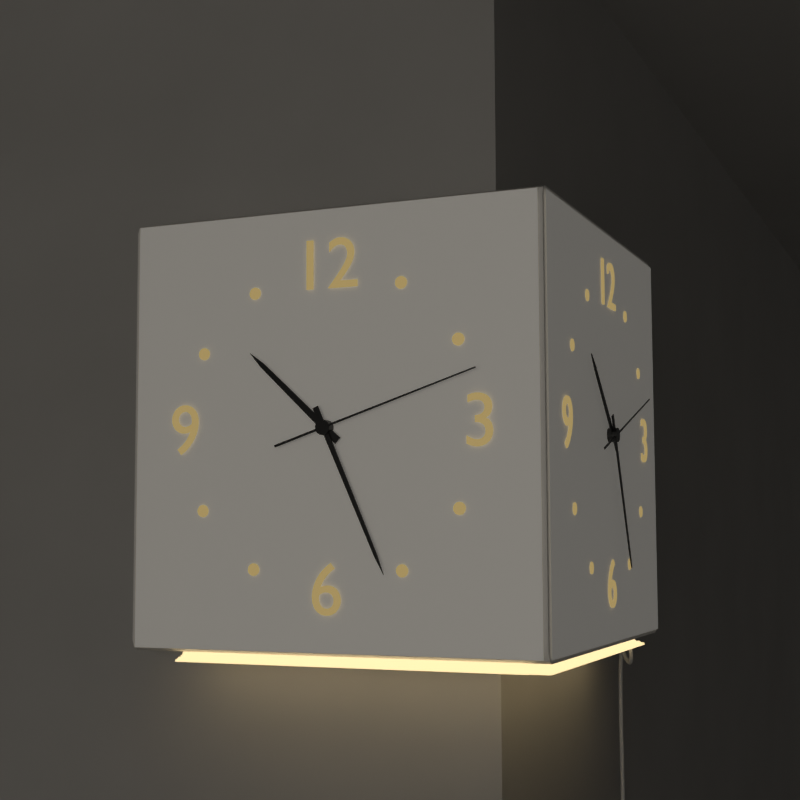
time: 10:26:12
